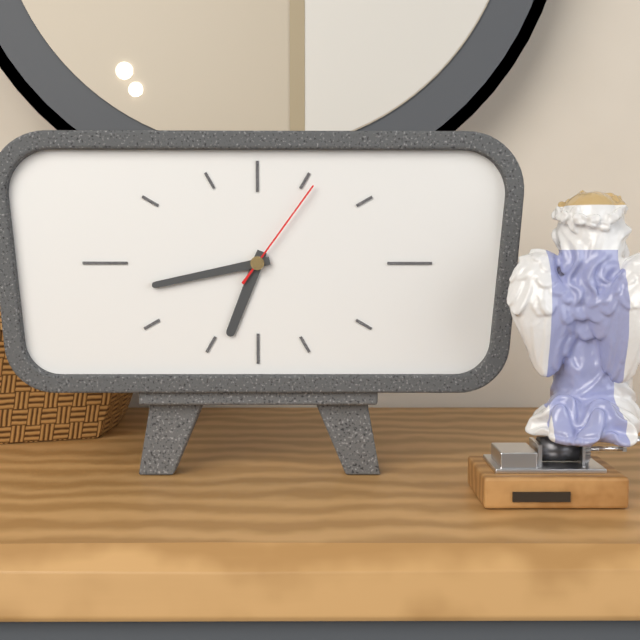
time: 6:43:06
